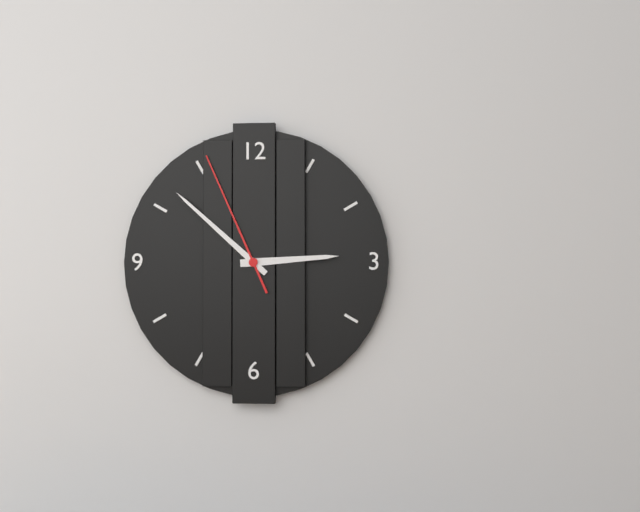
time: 2:52:56
